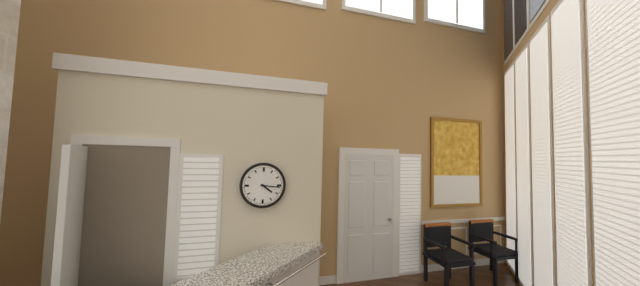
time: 4:16
